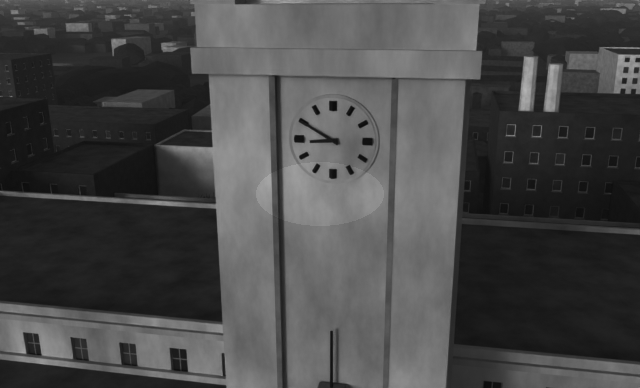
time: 8:50
